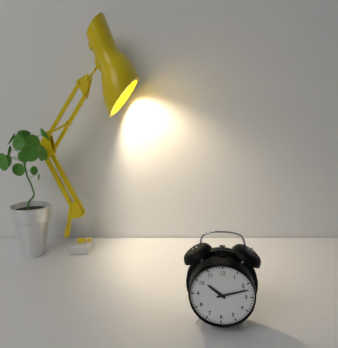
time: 10:12
